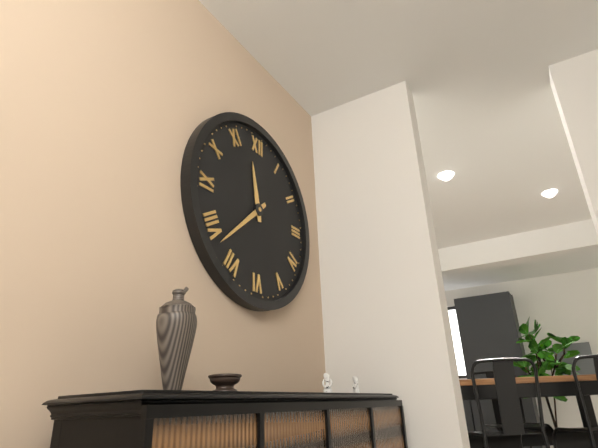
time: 11:38
